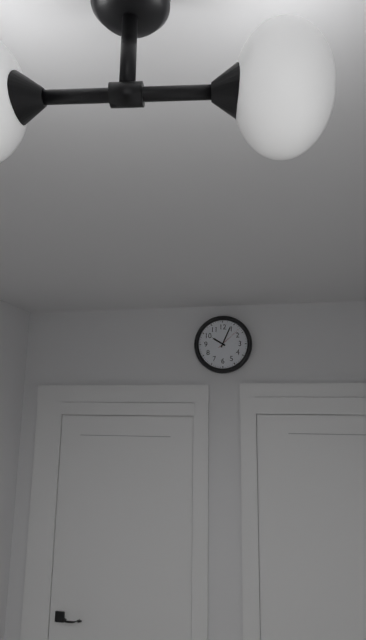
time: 10:04
